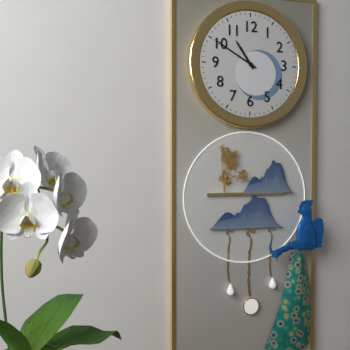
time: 10:50
